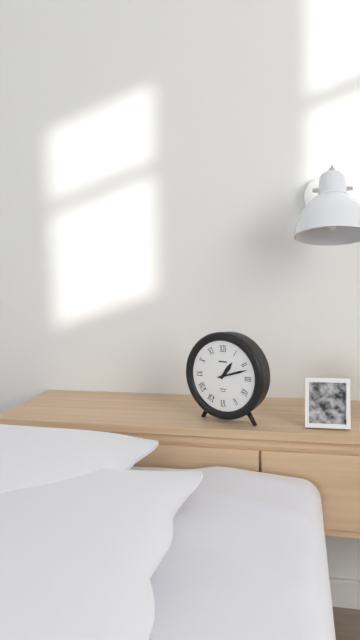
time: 1:12
